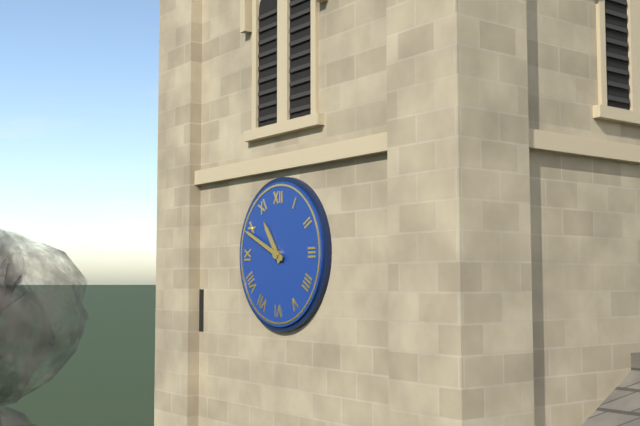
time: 10:49
